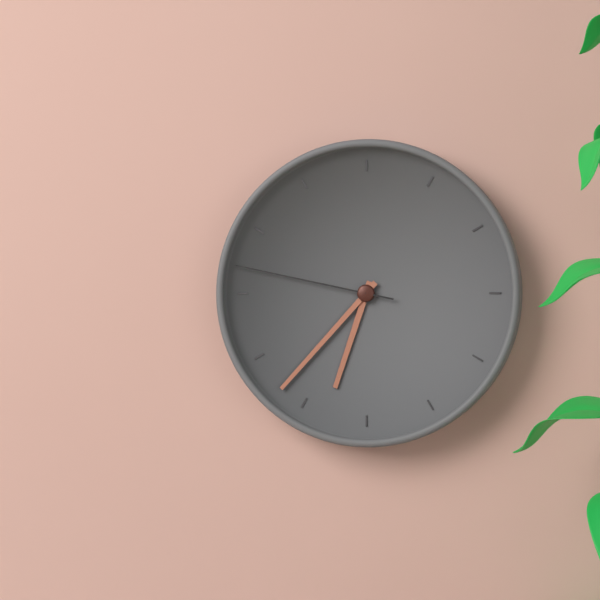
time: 6:37:47
